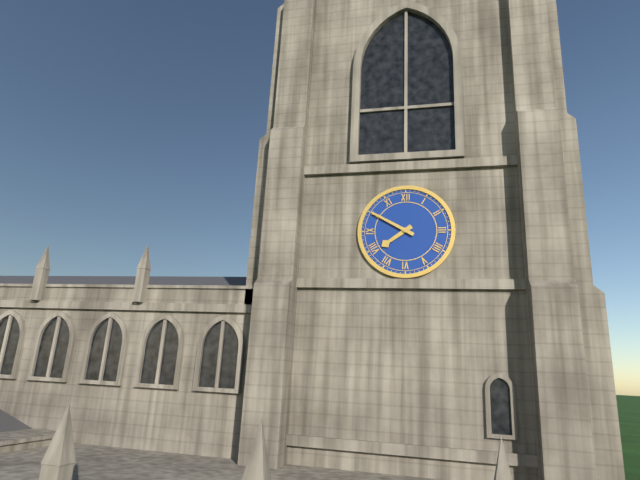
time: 7:50
